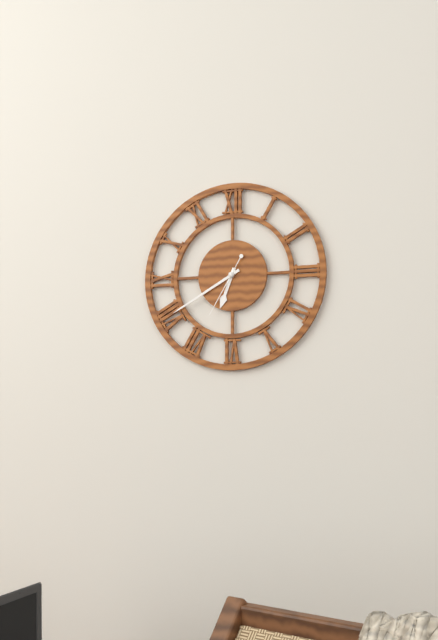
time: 6:40:35
